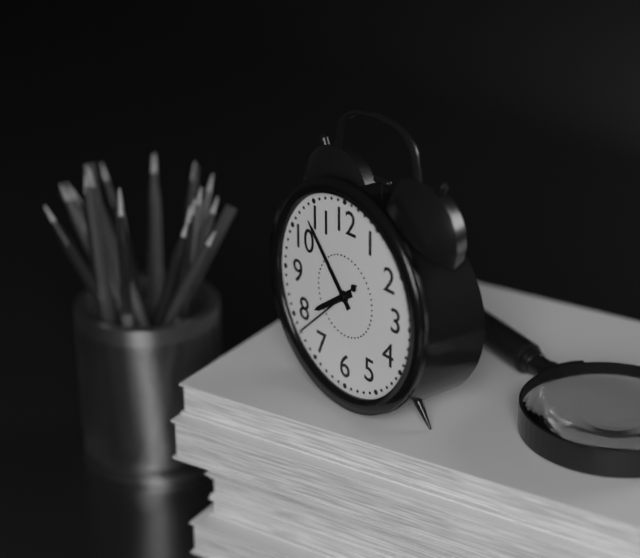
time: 7:53:38
